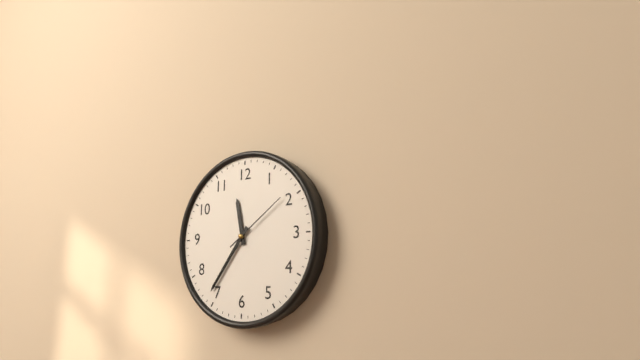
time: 11:36:09
